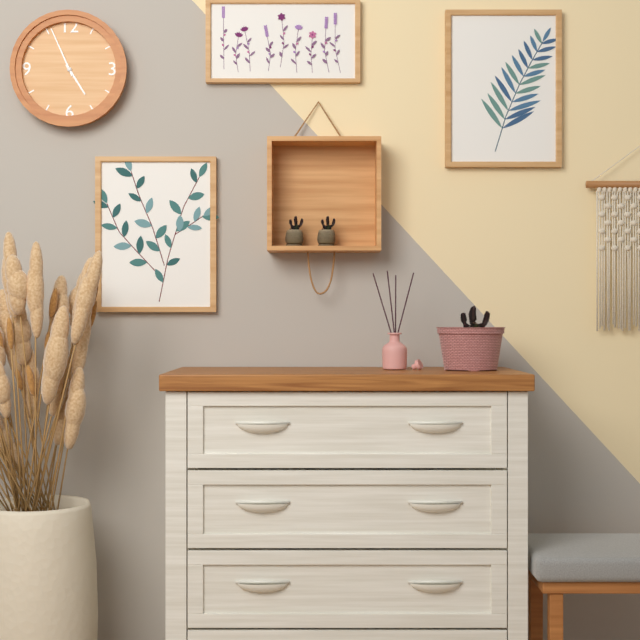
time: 4:56
